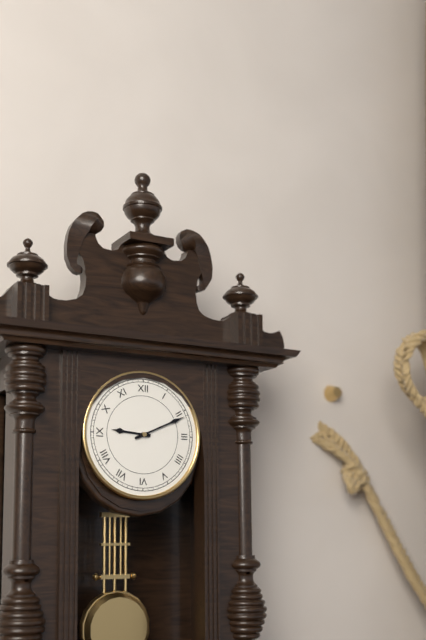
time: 9:11
